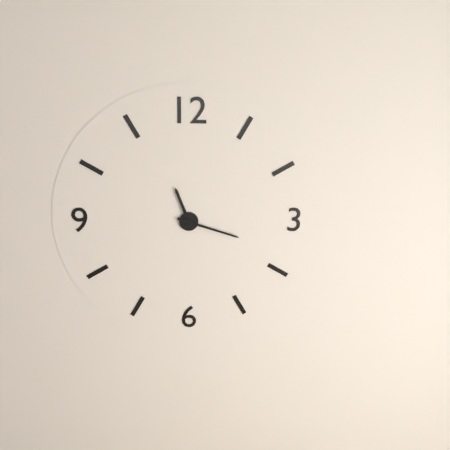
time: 11:18
